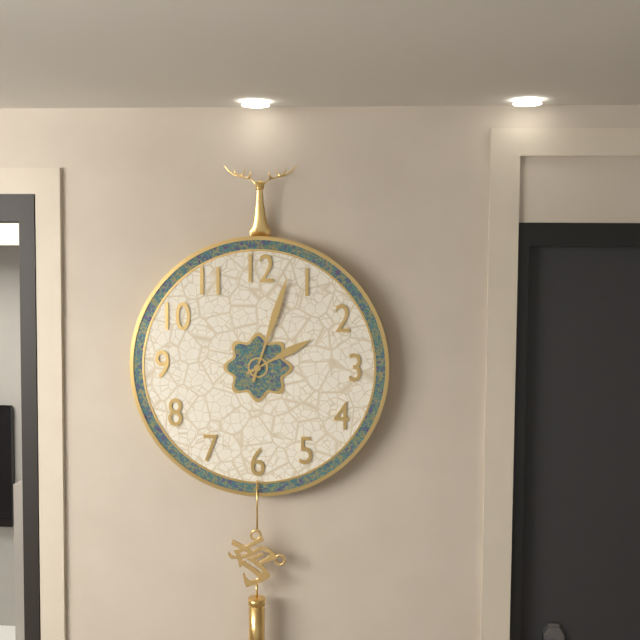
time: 2:03
